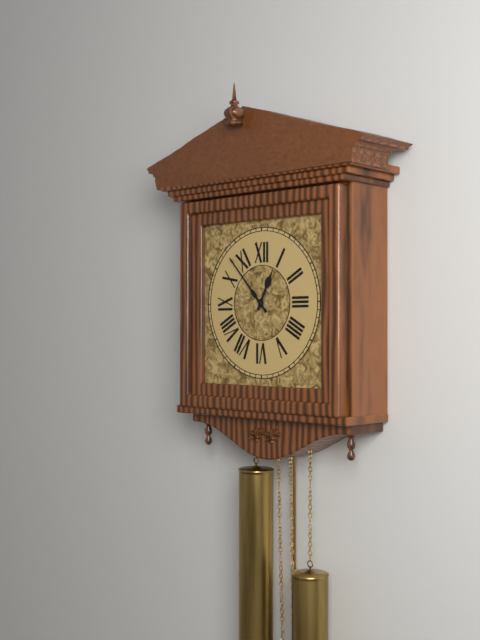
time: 12:53
